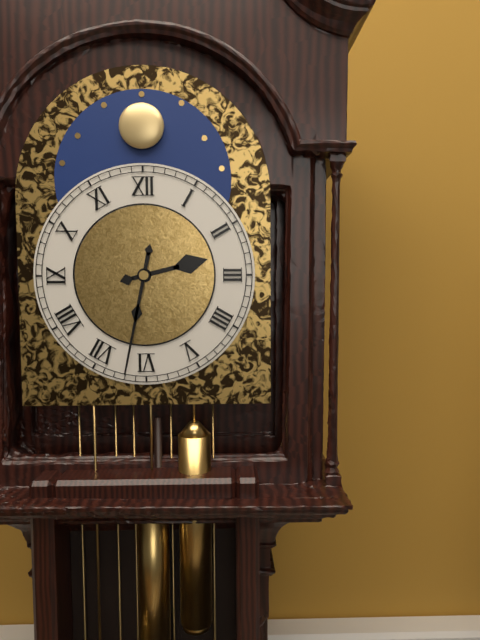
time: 2:32
